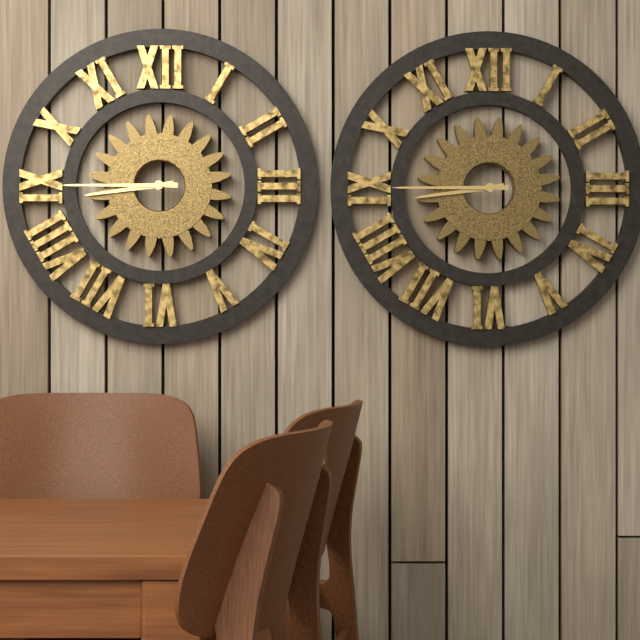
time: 8:45
